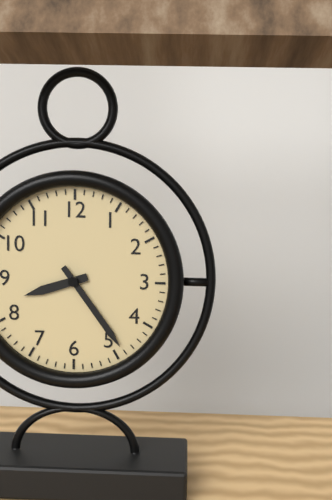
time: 8:24
